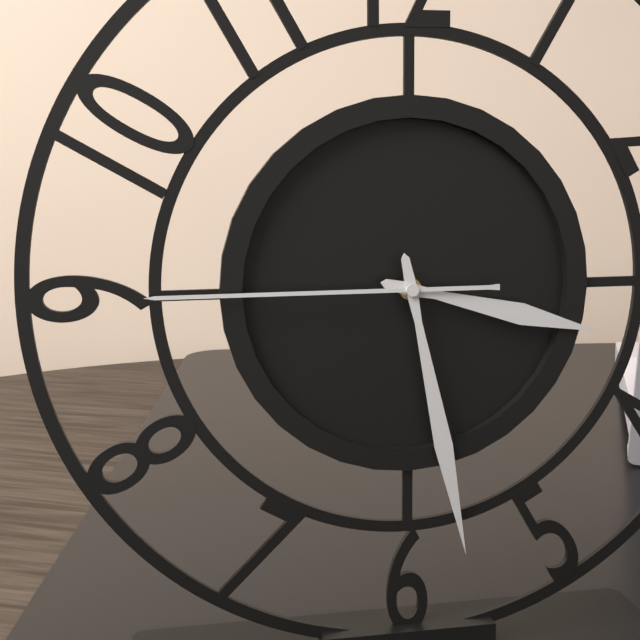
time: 3:28:45
